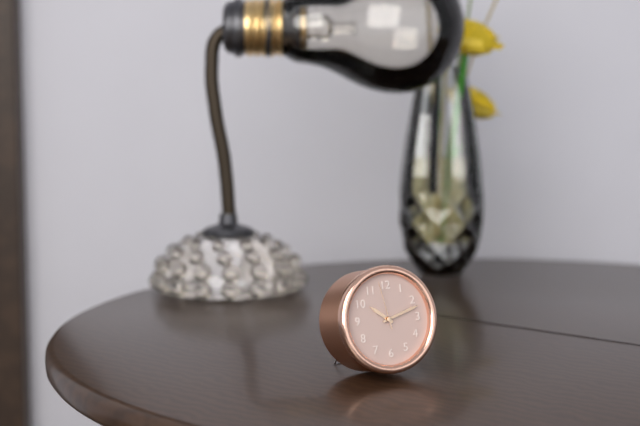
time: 10:12
